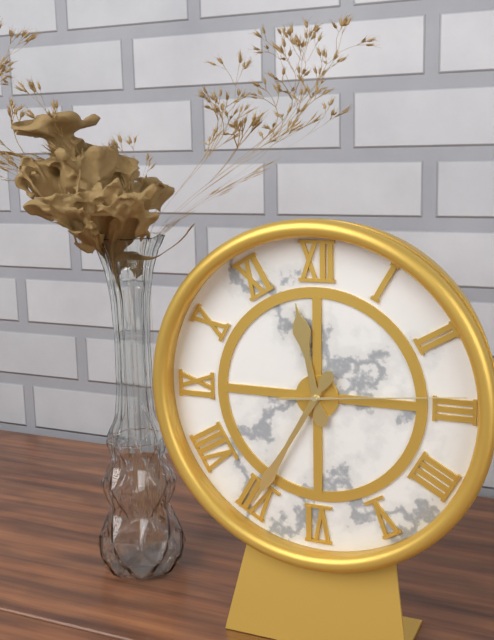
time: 11:35:14
